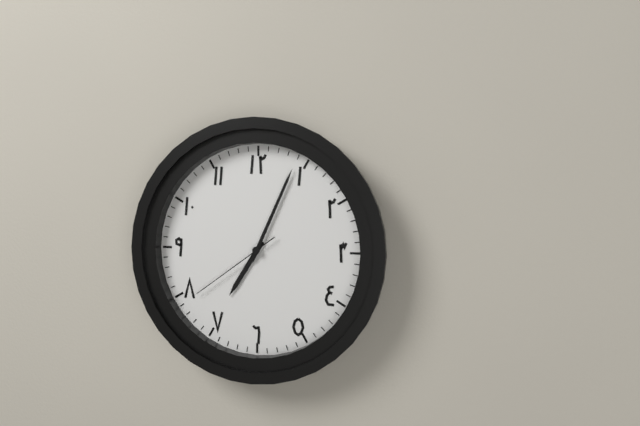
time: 7:04:39
